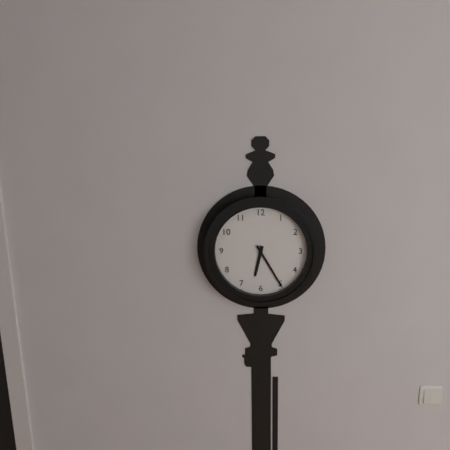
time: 6:25
